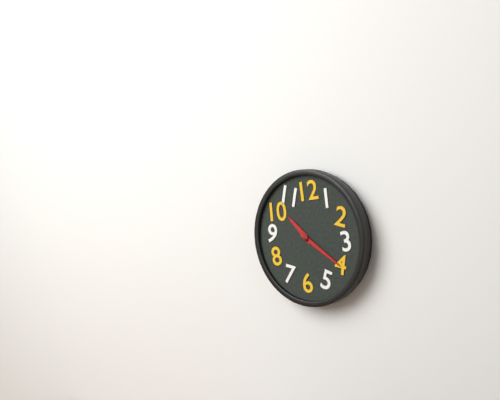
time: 10:20
